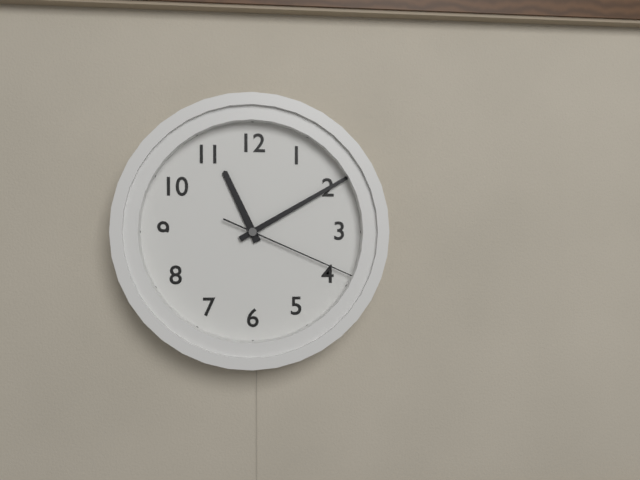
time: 11:10:19
